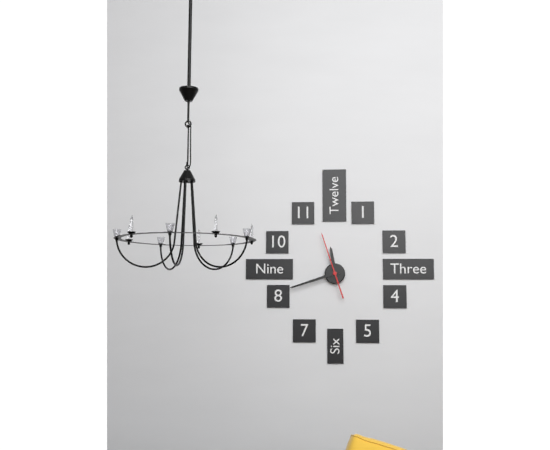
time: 11:42:57
